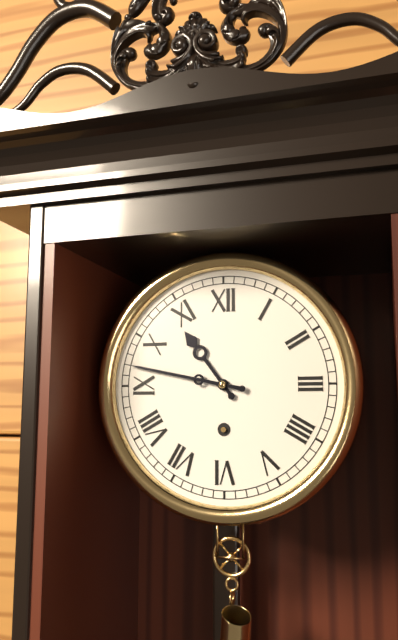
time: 10:47
